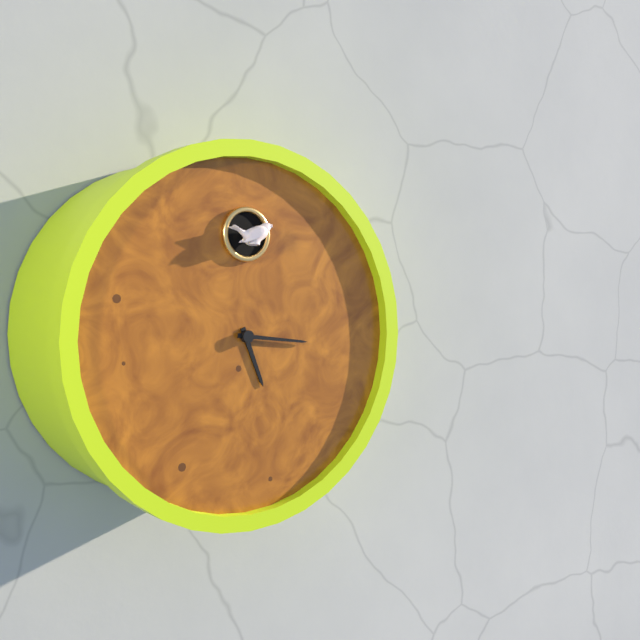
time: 5:16
